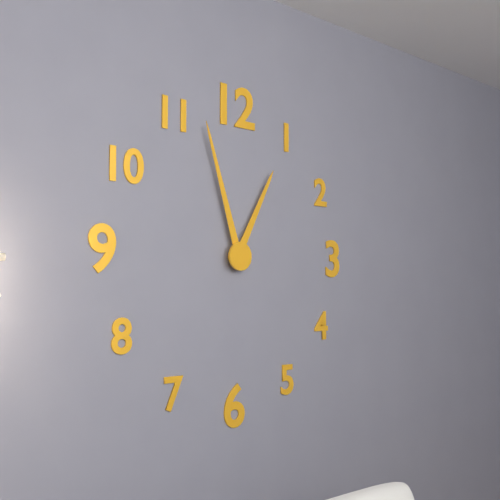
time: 12:57
